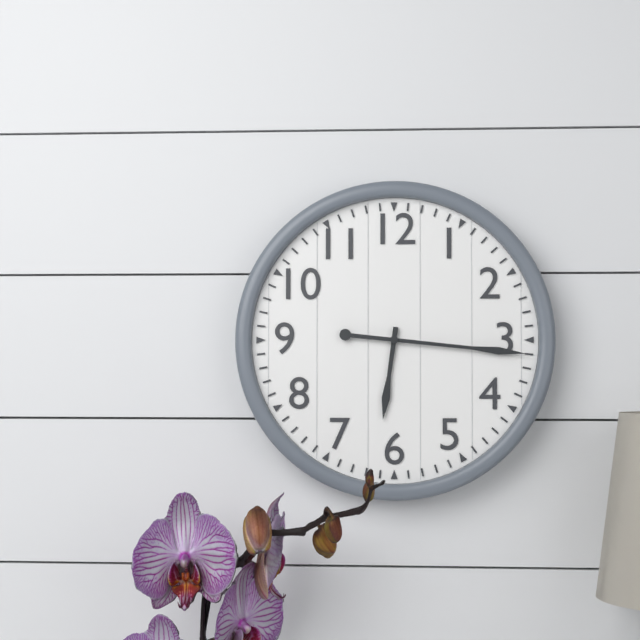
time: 6:16
